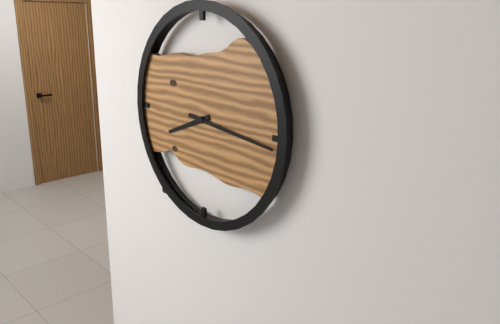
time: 8:16
